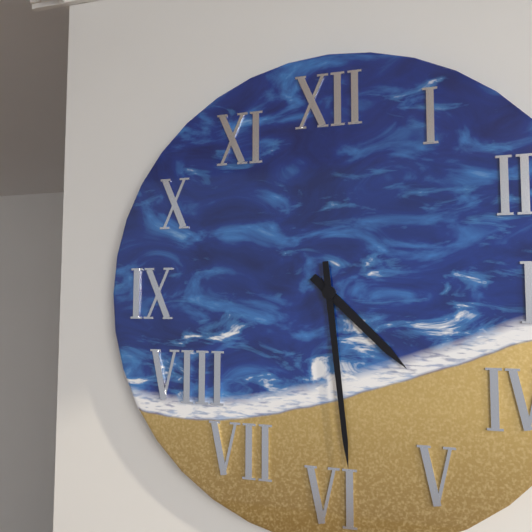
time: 4:29
